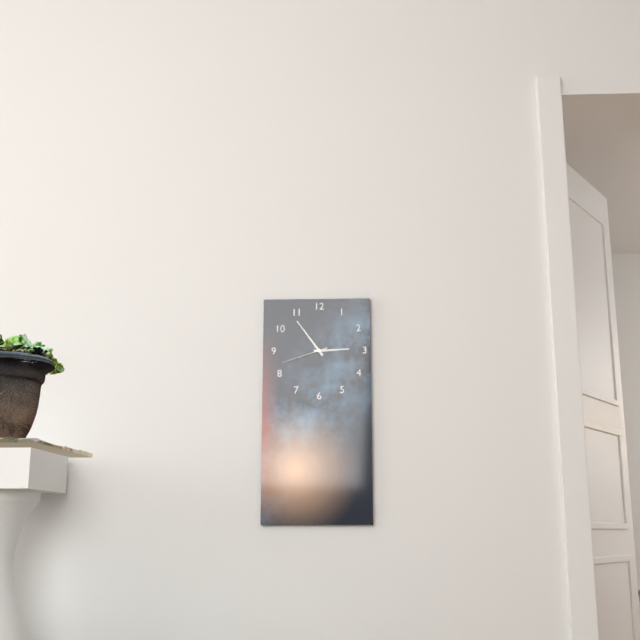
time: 2:54
